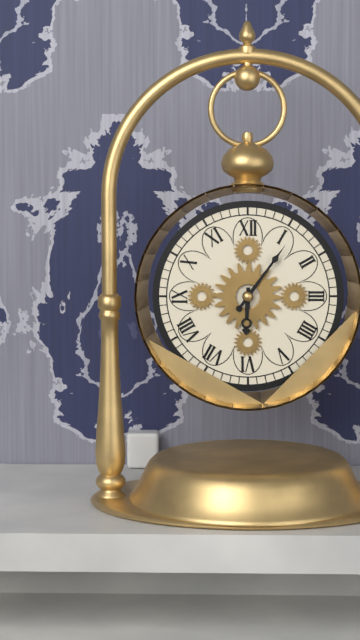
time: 6:06
